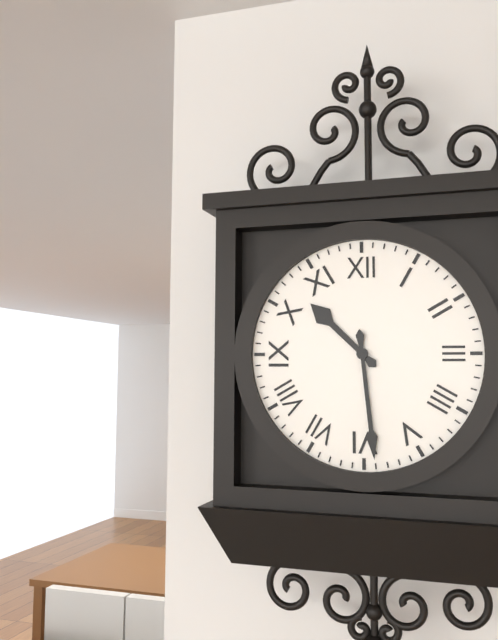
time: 10:29
